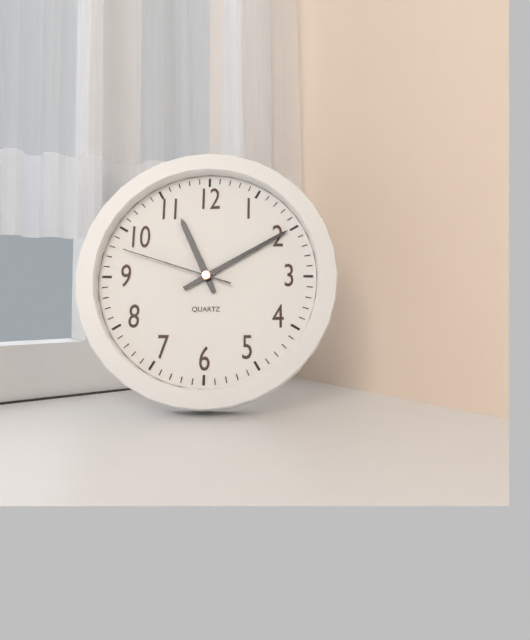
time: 11:10:48
